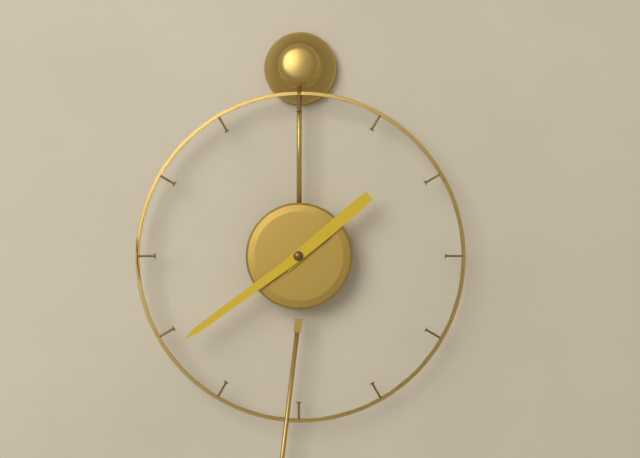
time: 1:39
